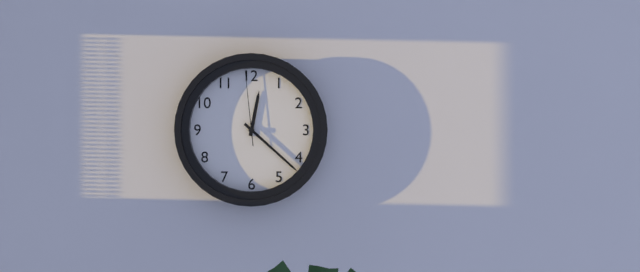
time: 12:22:59
